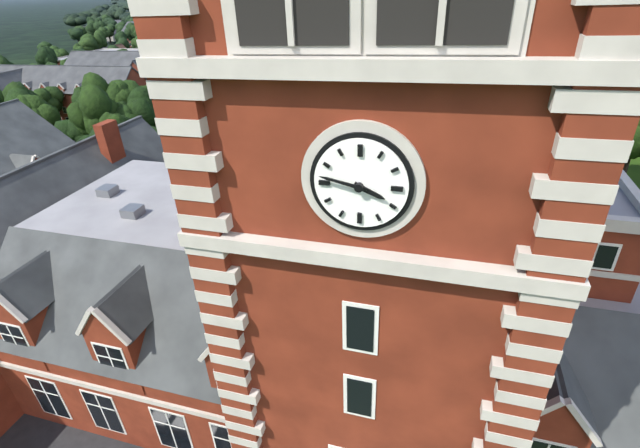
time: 3:47
